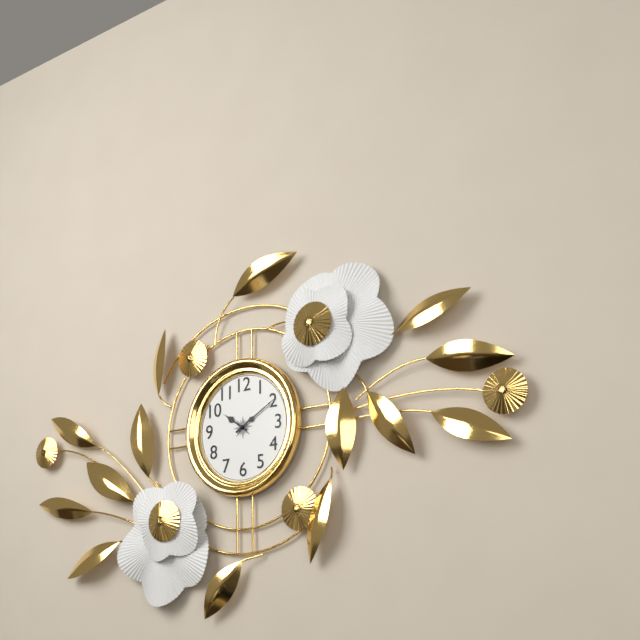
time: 10:10
